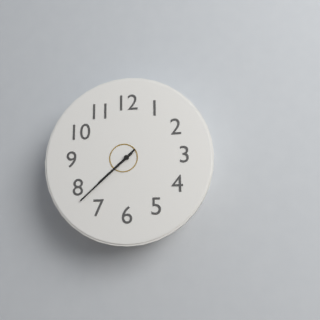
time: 7:38
